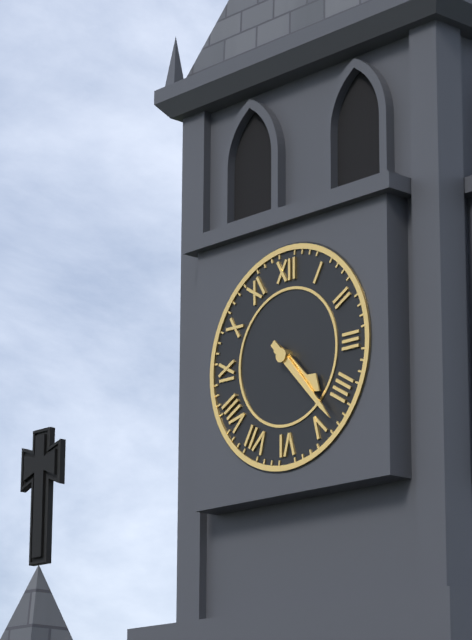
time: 4:23
